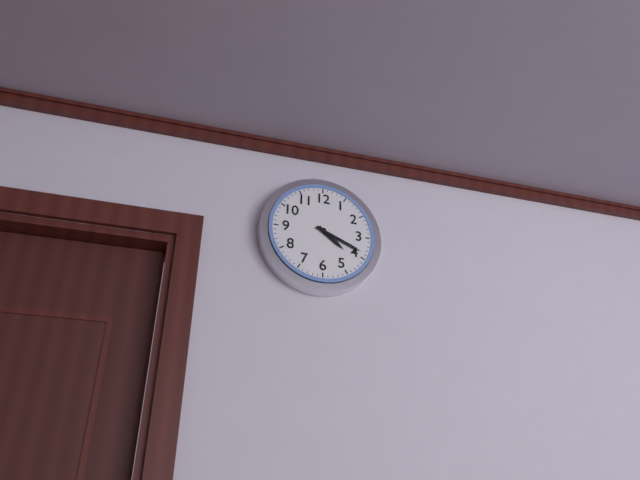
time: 4:19
